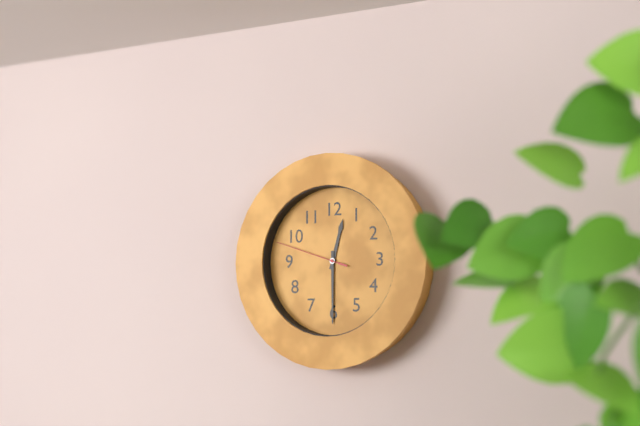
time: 12:30:48
